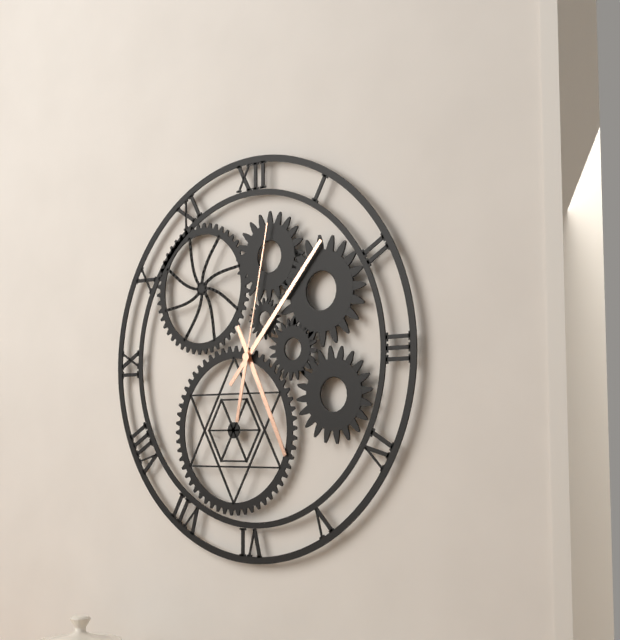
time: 5:07:02
